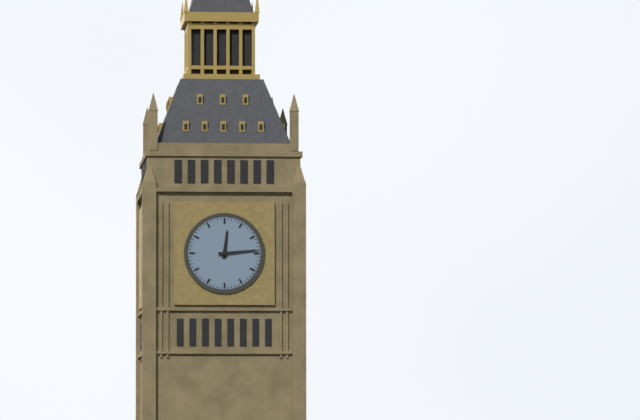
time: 12:14
